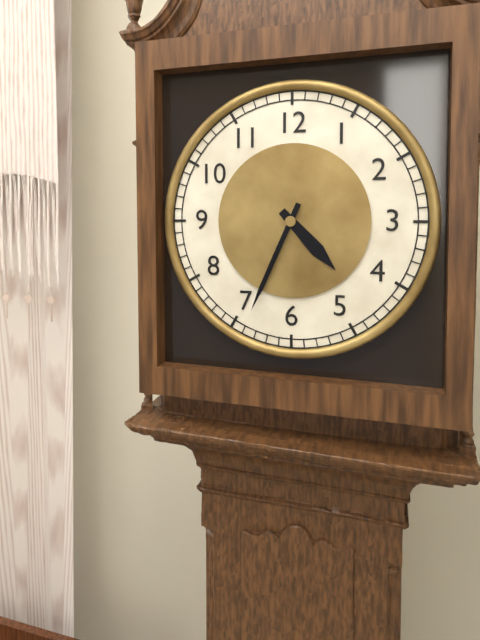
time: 4:34
